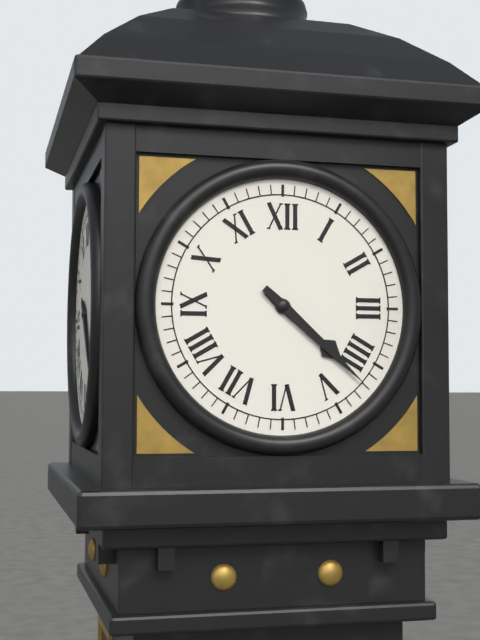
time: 4:22
